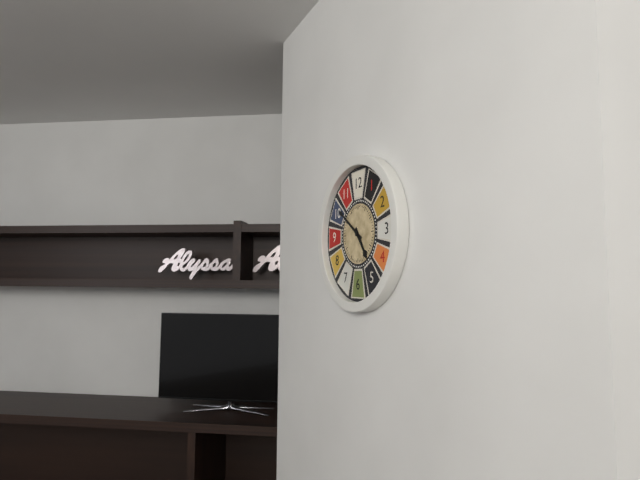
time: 4:51
